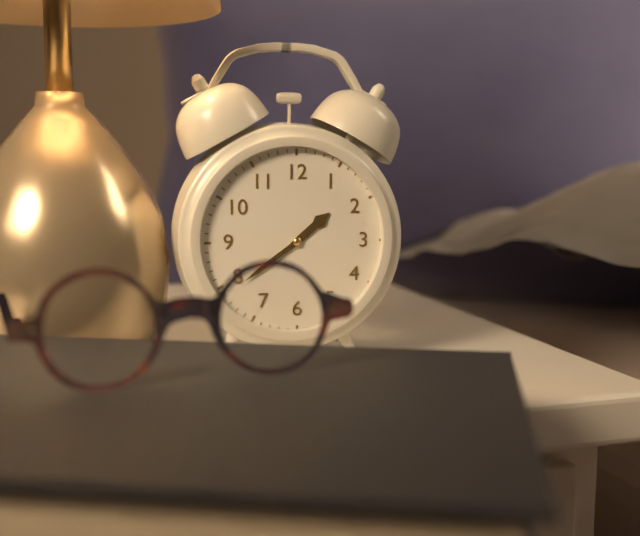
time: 1:39
